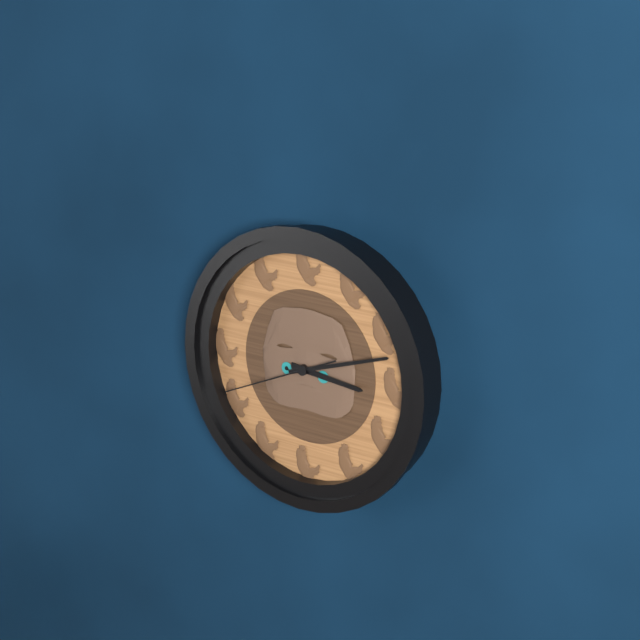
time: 3:12:41
